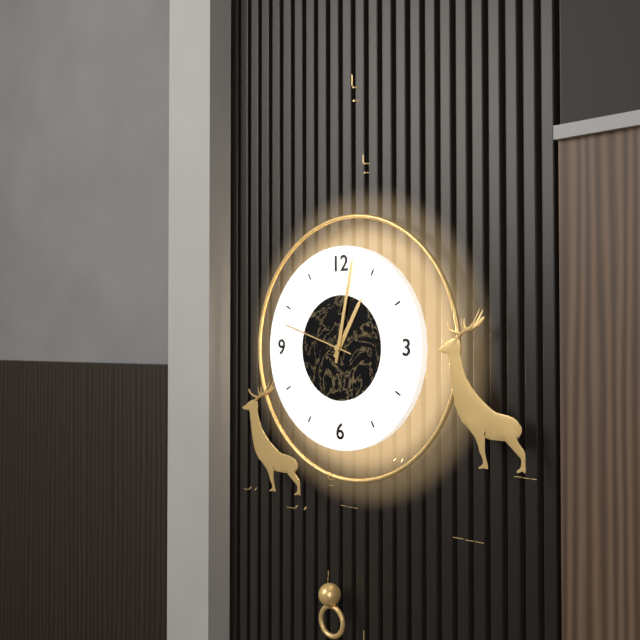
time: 1:02:48
